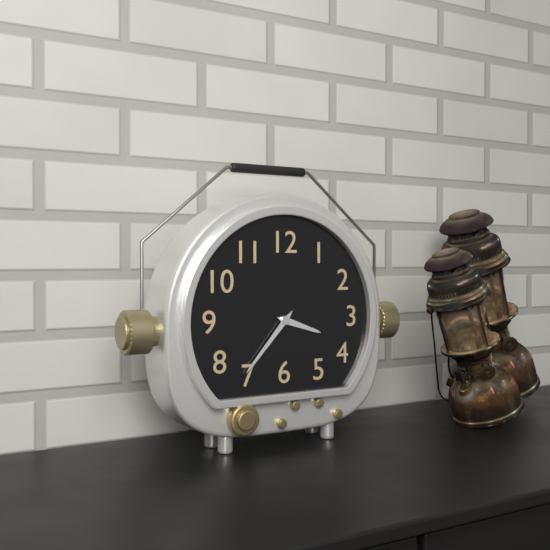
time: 3:37
